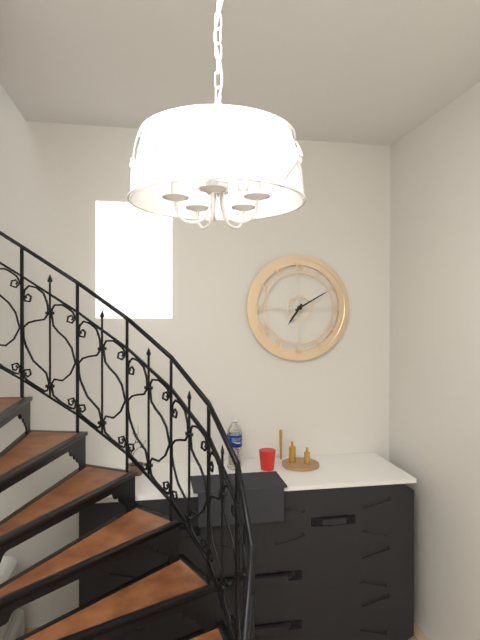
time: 7:10
